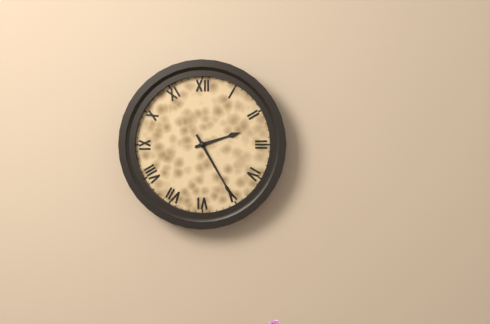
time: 2:25
